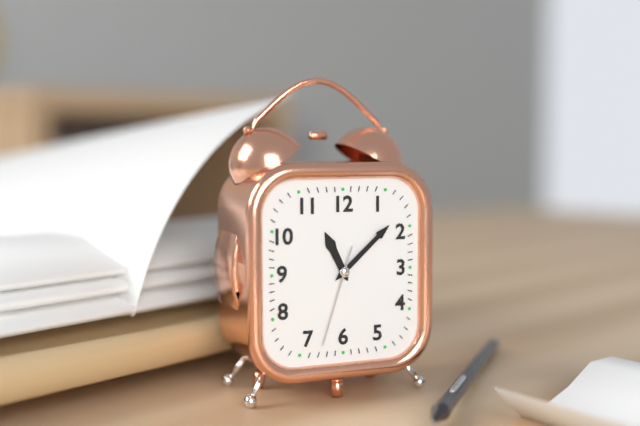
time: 11:08:33
